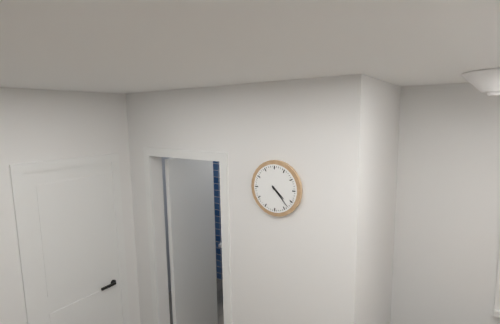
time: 4:23
